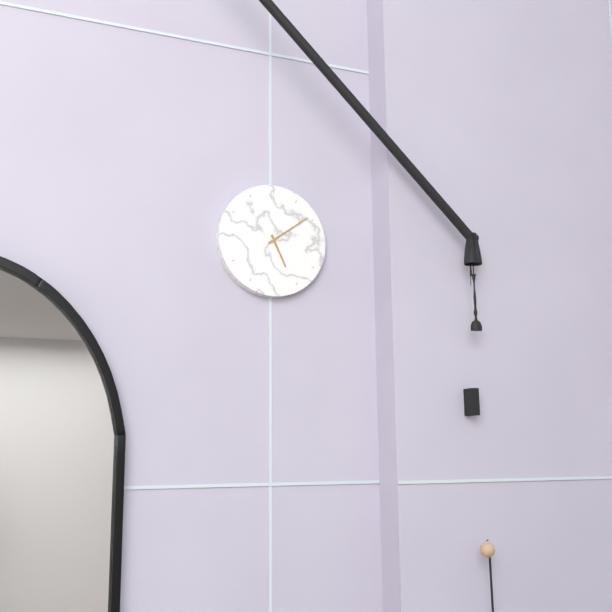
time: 5:09
